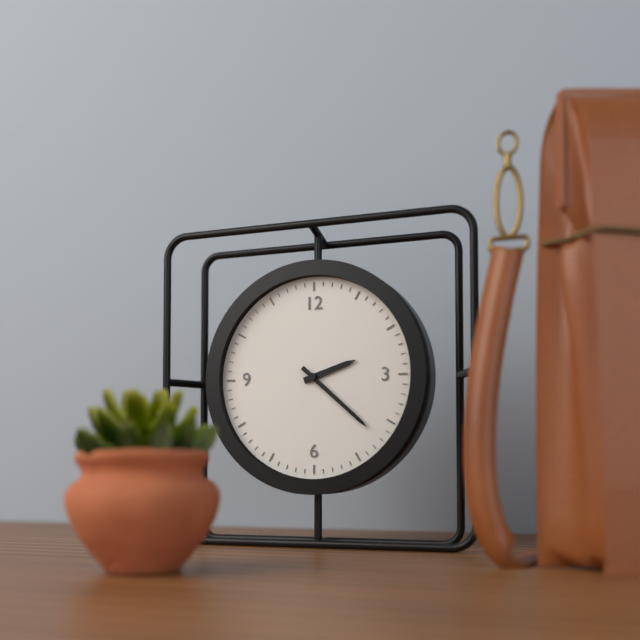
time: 2:22
